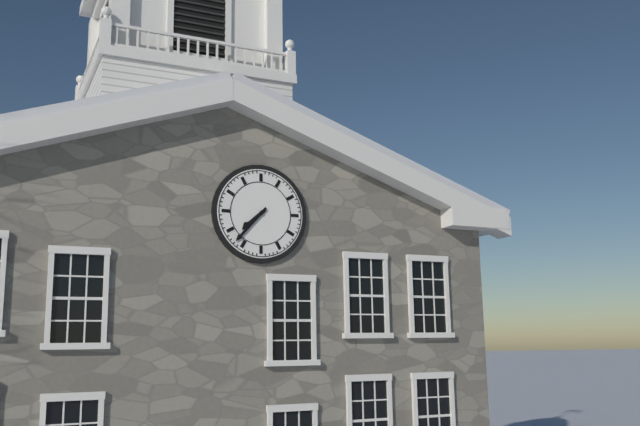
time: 7:37
